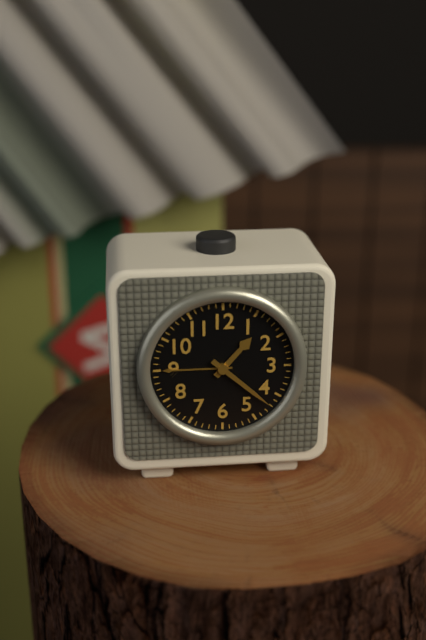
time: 1:22
